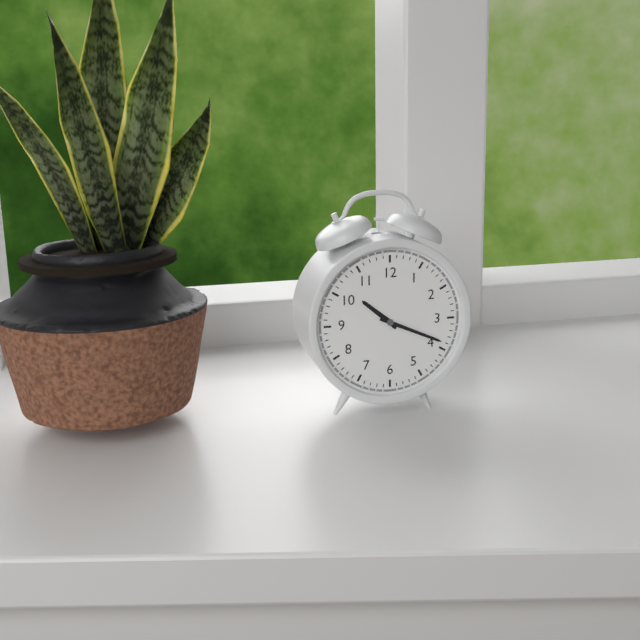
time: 10:19
